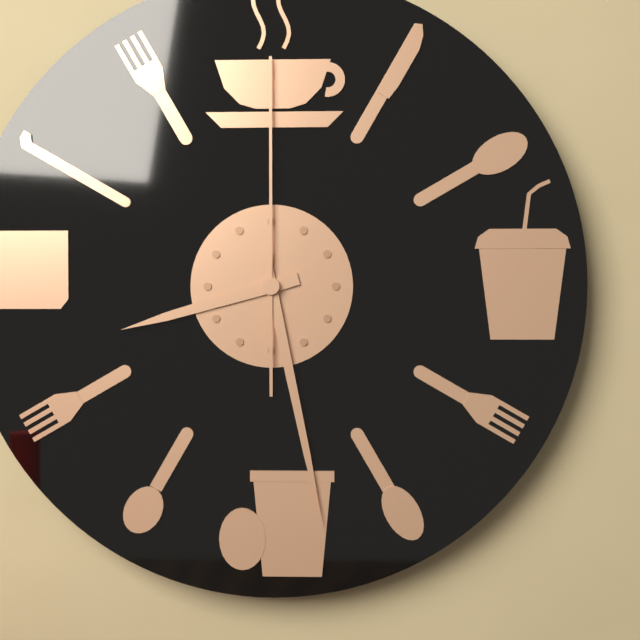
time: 8:28:00
